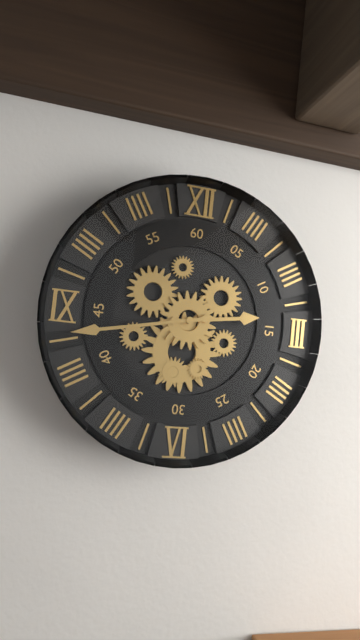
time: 2:43
